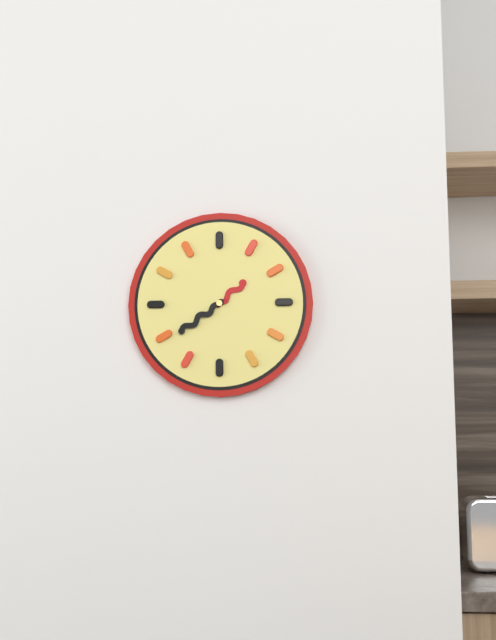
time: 1:39
